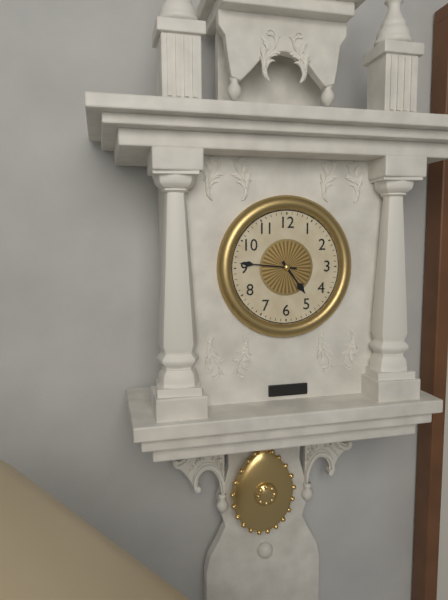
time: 4:46
